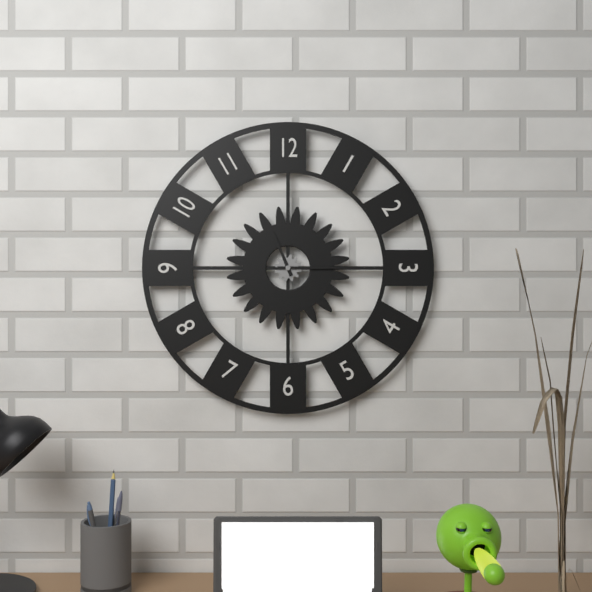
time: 11:15
